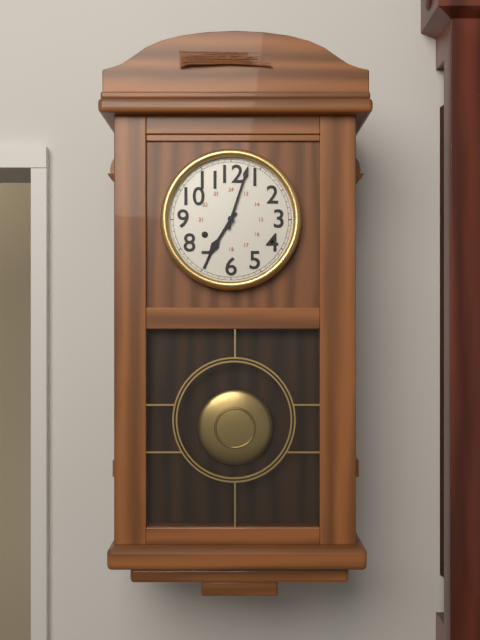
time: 7:03
